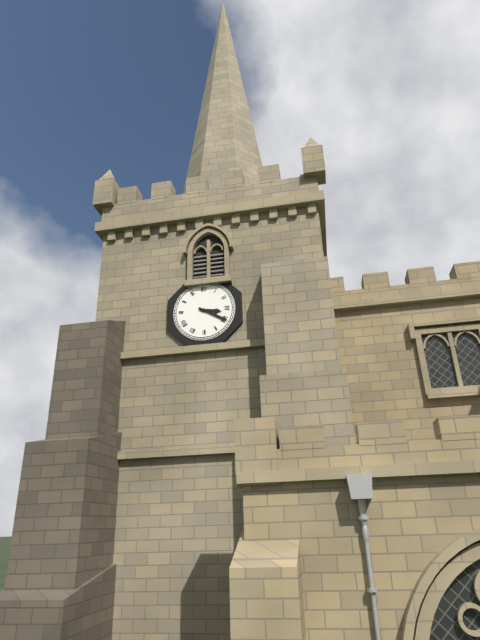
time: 3:20
